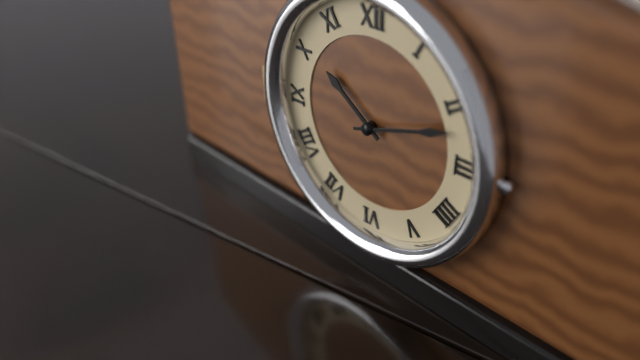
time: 10:12
